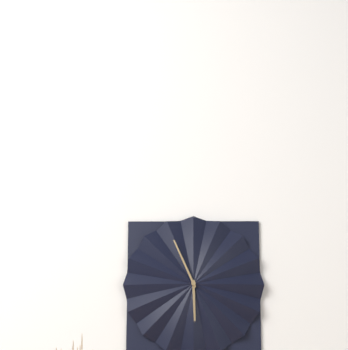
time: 5:56
